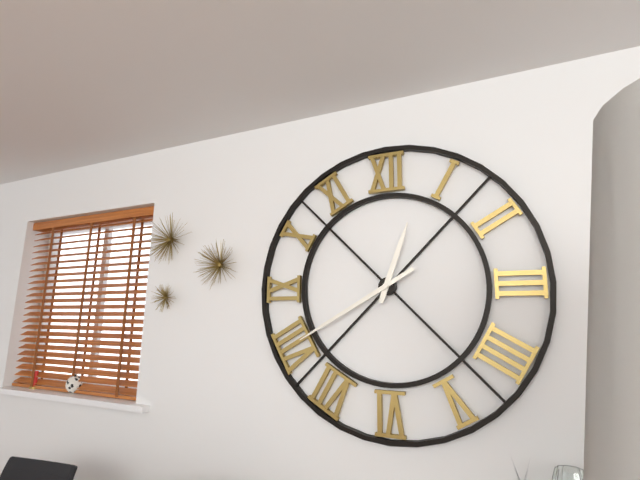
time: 12:40
